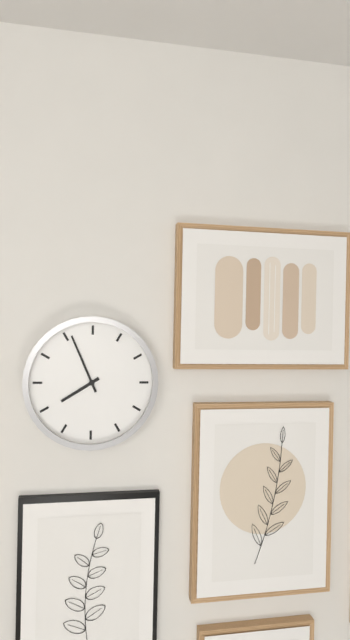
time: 7:56
